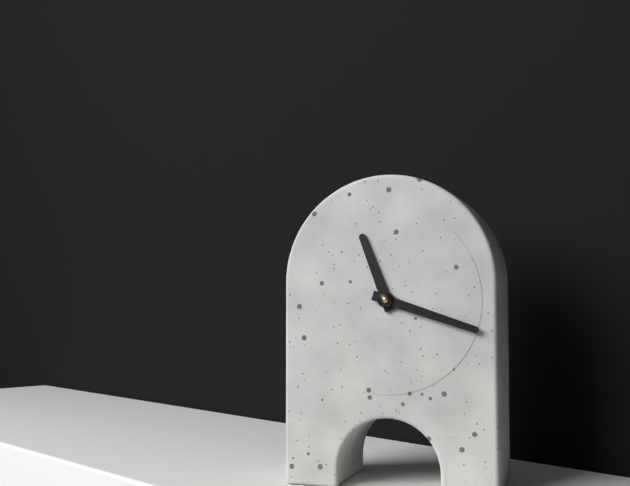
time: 11:18
